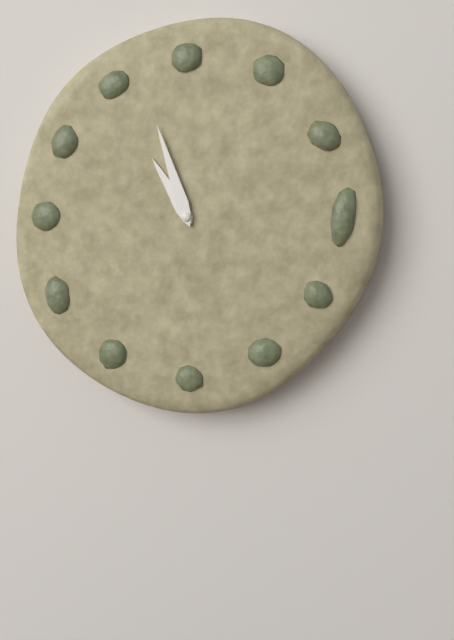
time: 10:57
